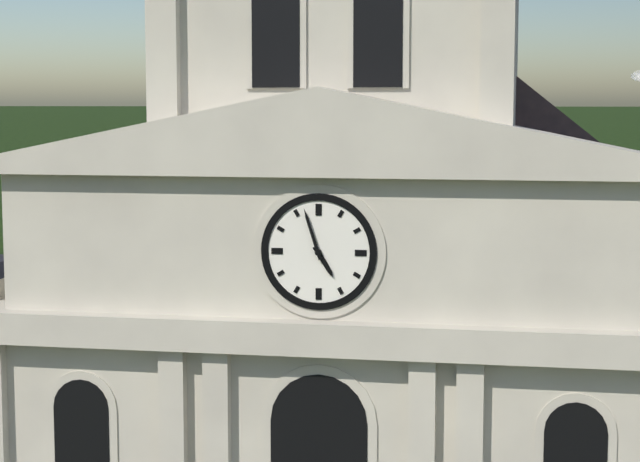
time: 4:57
